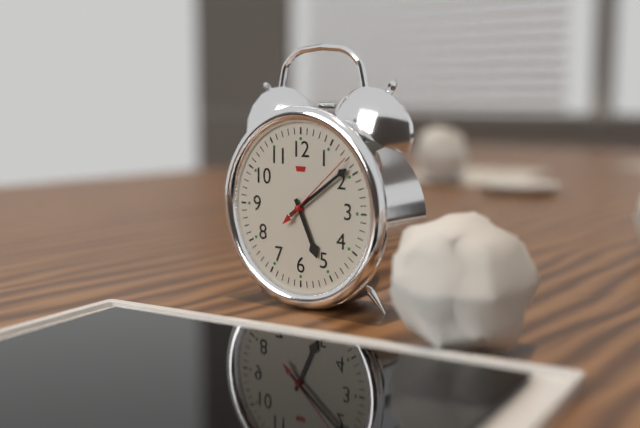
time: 5:09:08
